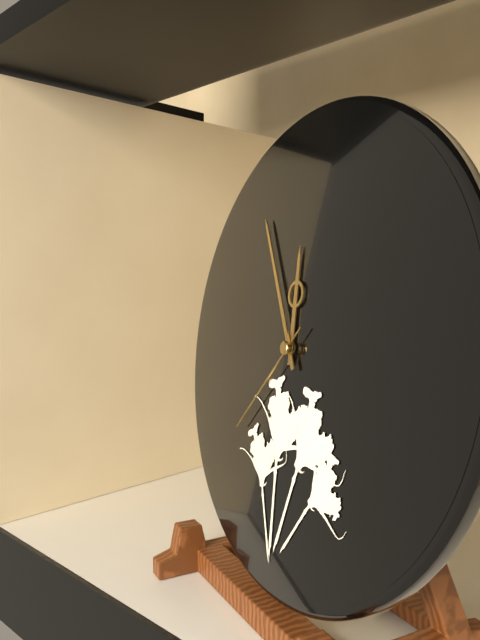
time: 11:55:37
